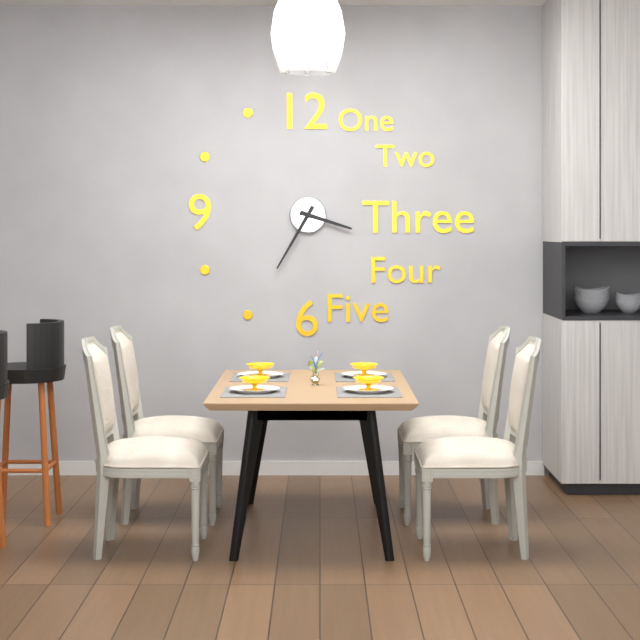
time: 3:35
